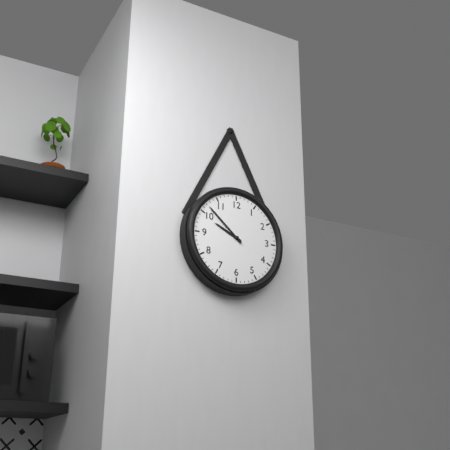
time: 9:52
